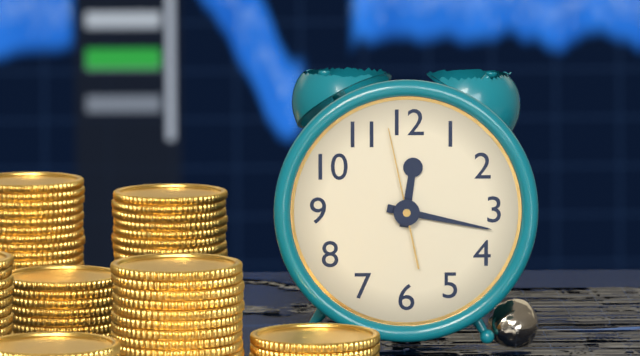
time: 12:17:58
